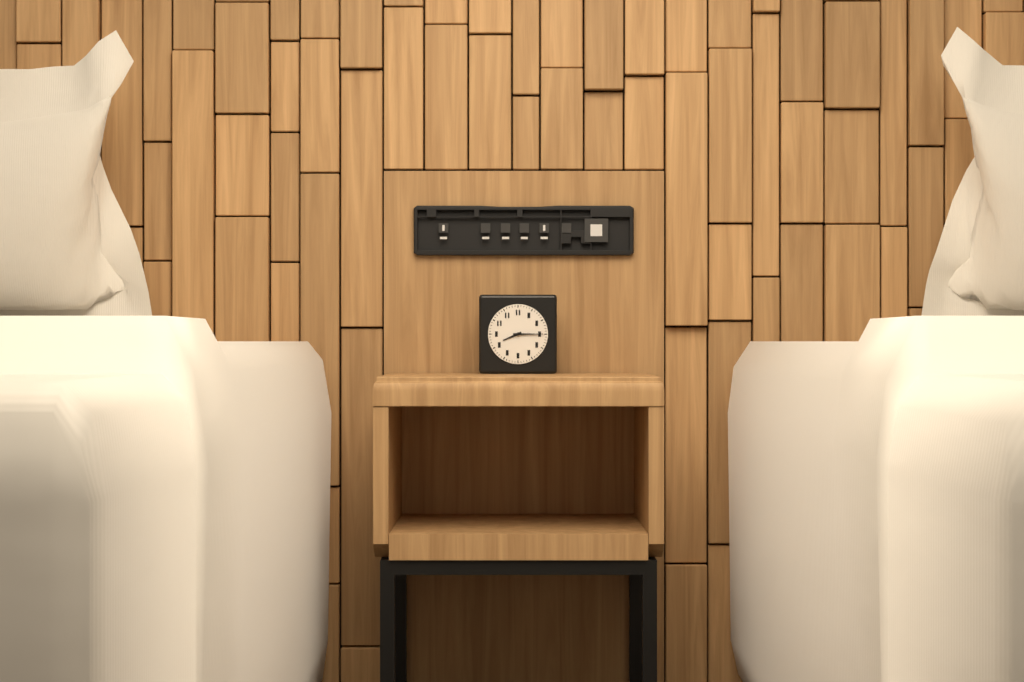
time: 8:15
